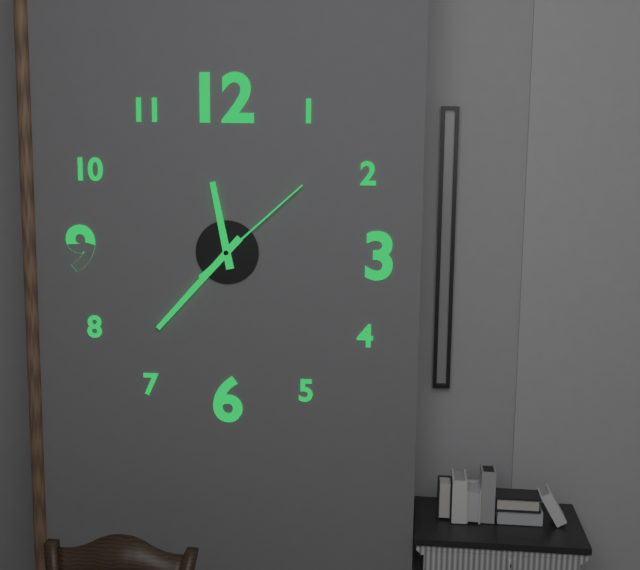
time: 11:37:08
